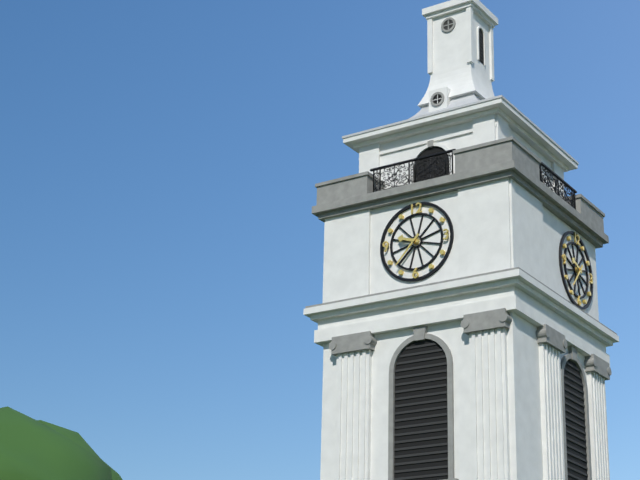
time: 9:37
